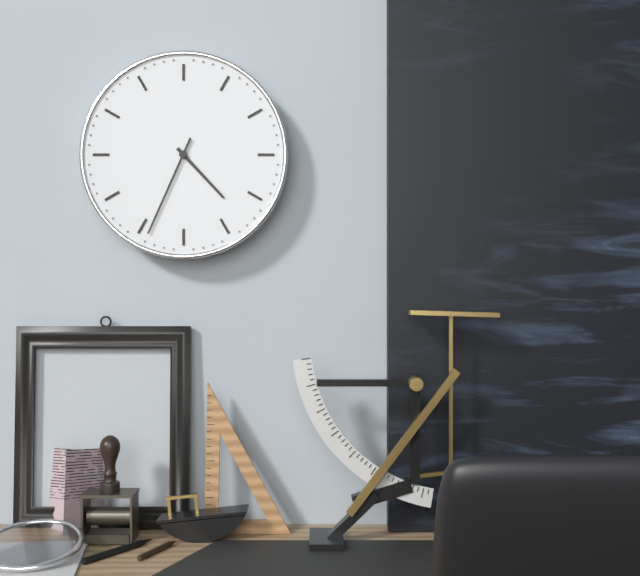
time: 4:34
